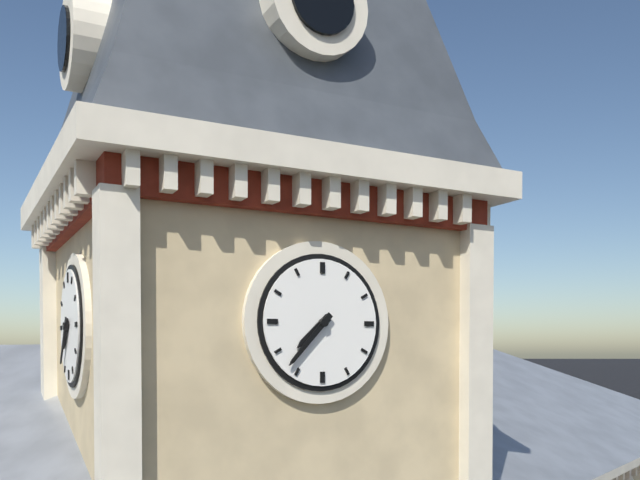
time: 7:37
